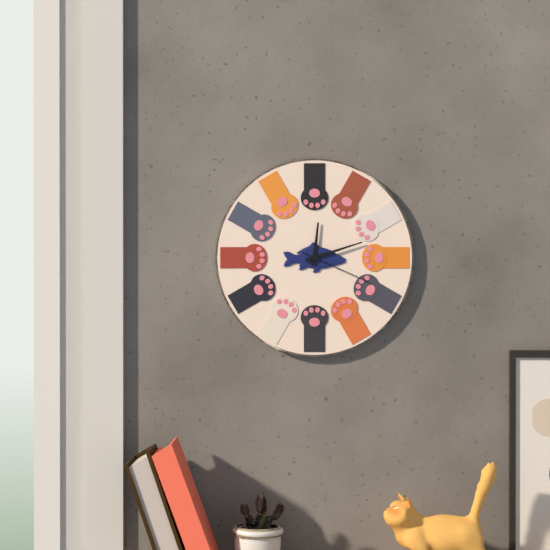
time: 12:12:19
